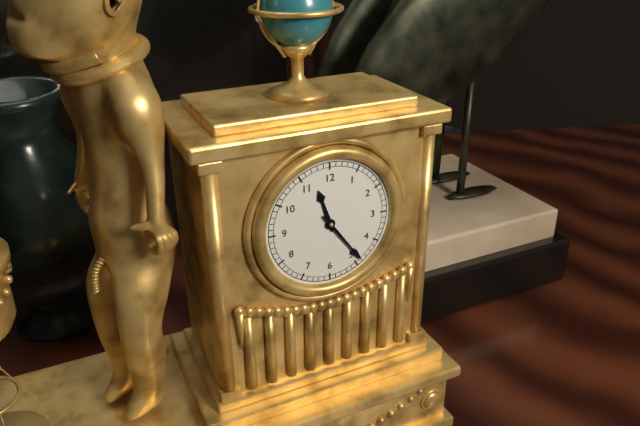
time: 11:24
